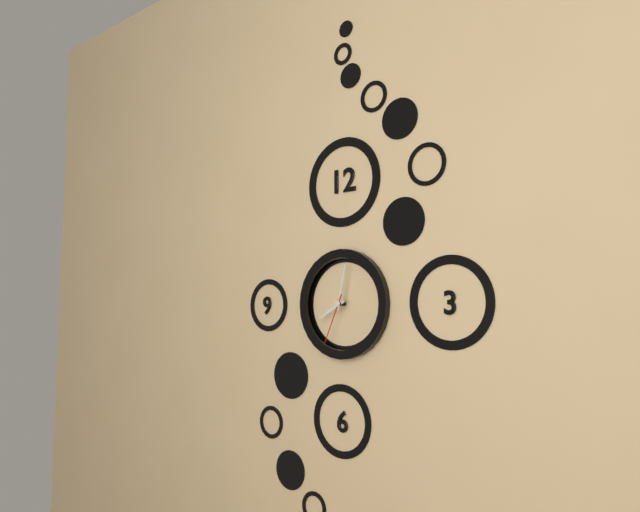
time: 8:02:34
